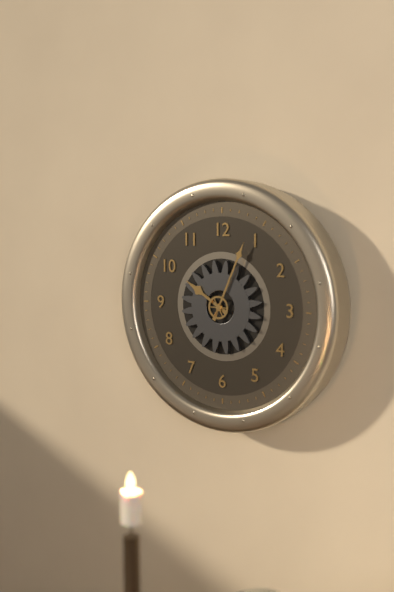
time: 10:04
